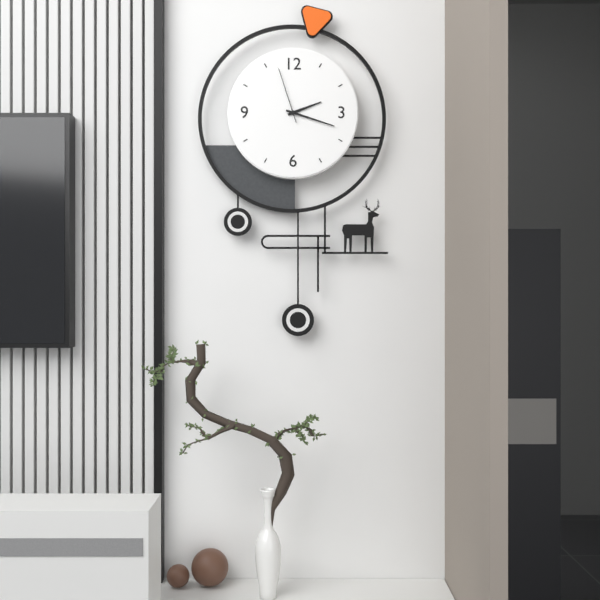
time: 2:18:57
